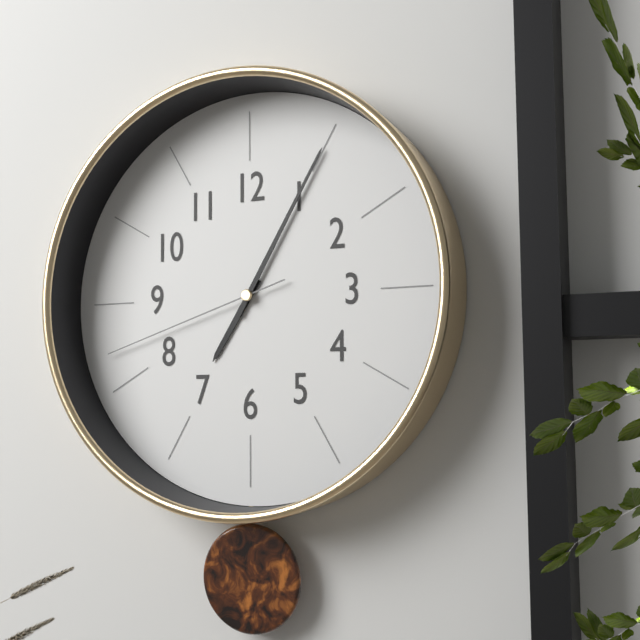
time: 7:05:42
